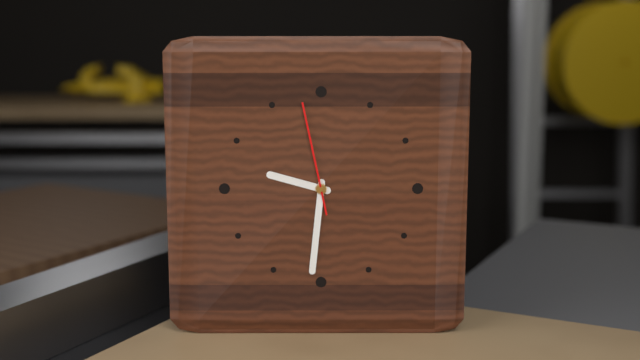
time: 9:31:58
